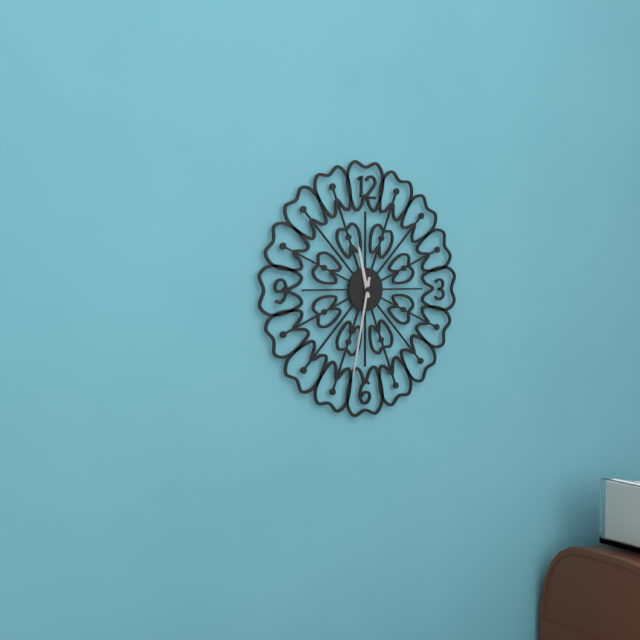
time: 11:32
